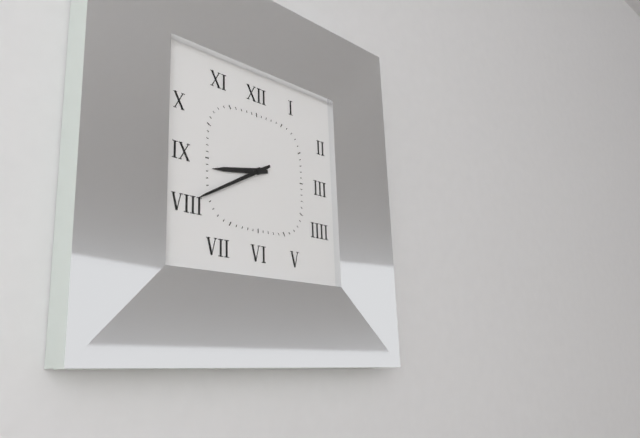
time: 8:40
